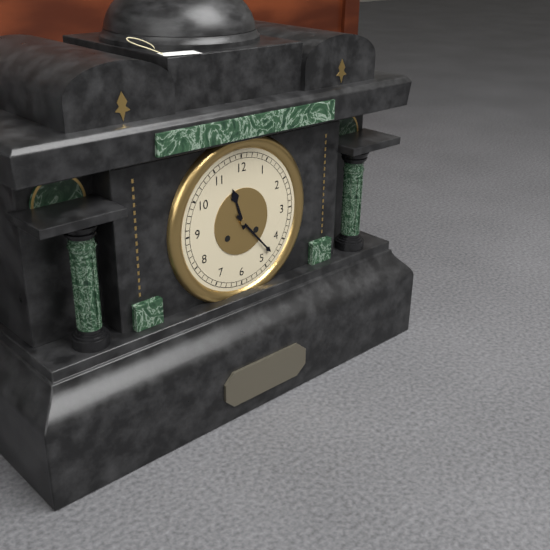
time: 11:23
